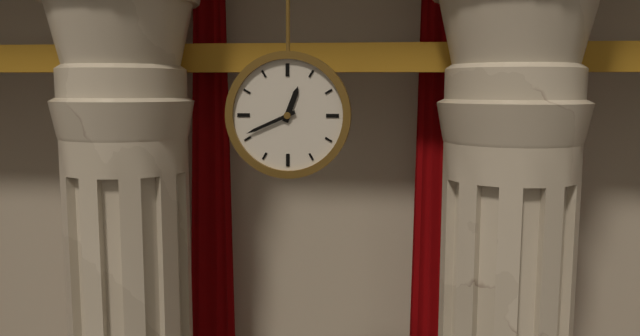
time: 12:41
